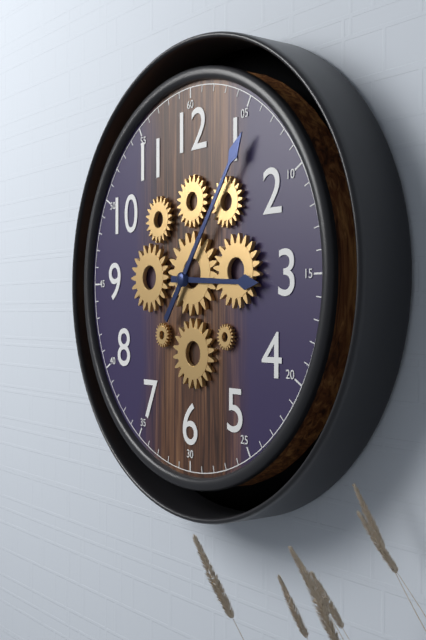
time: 3:06
